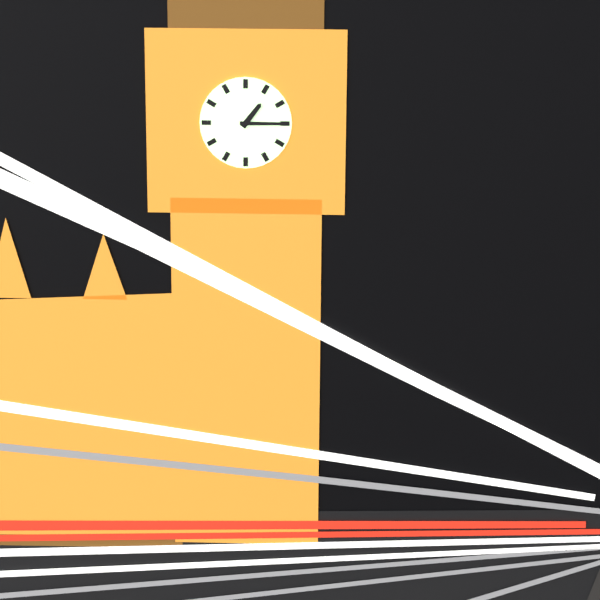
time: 1:15
